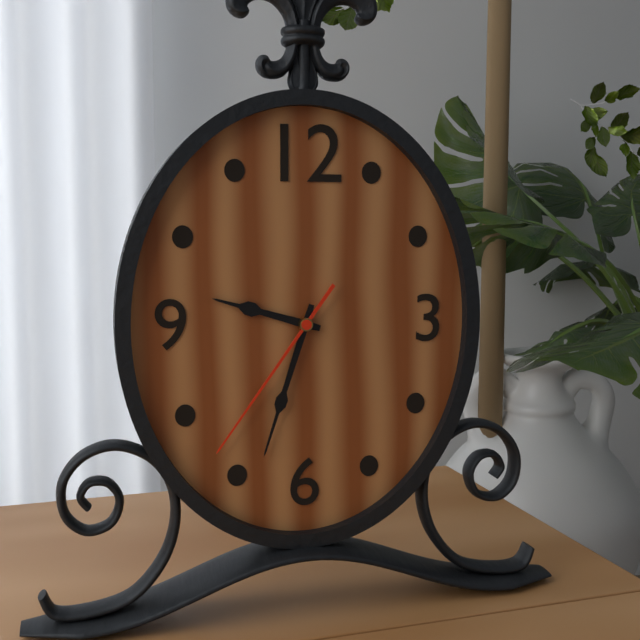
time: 9:33:36
